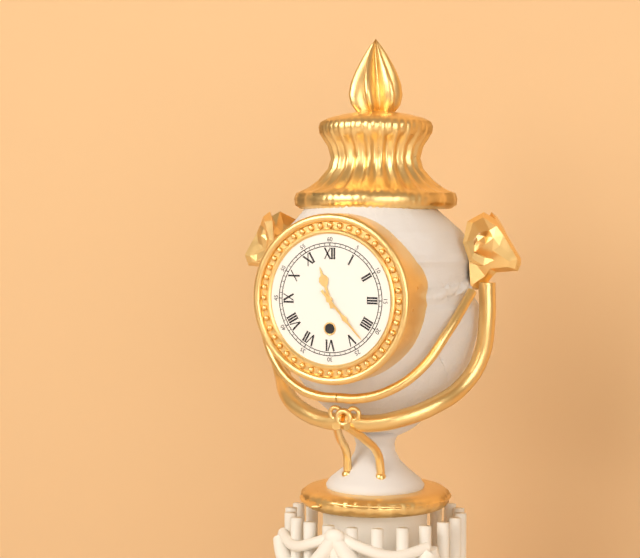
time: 11:23
